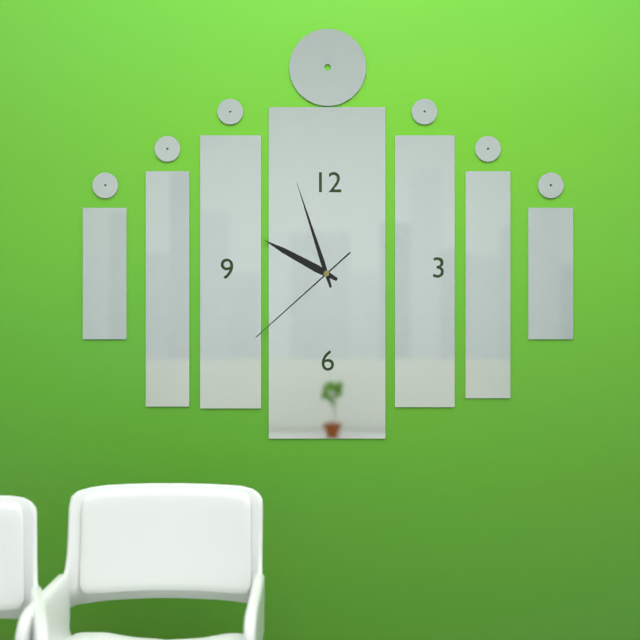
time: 9:57:38
